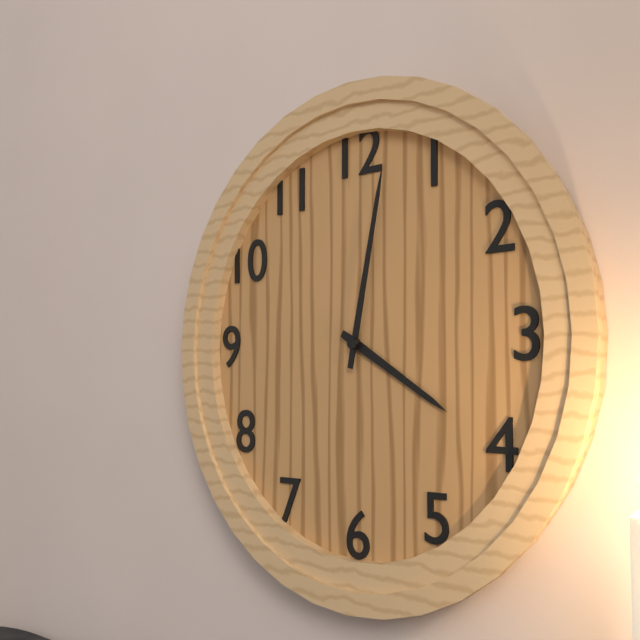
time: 4:02
